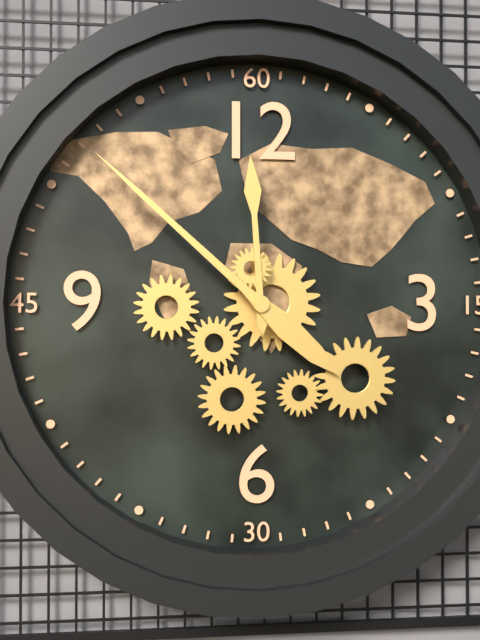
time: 11:52
